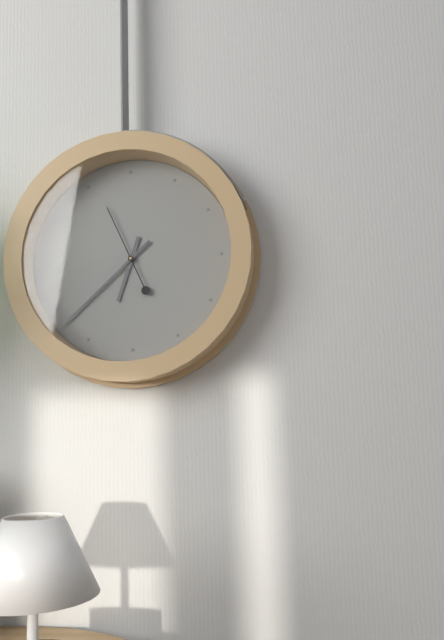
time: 6:38:56
